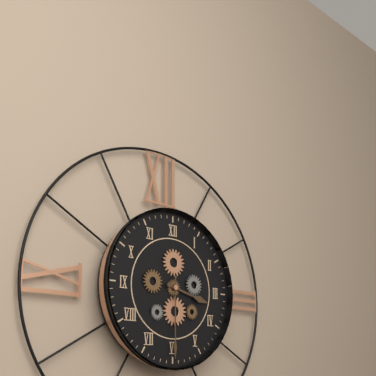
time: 3:30
